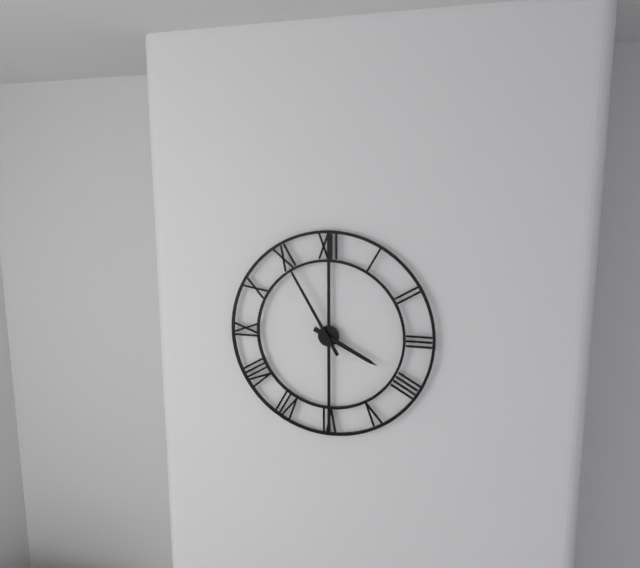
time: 3:55
